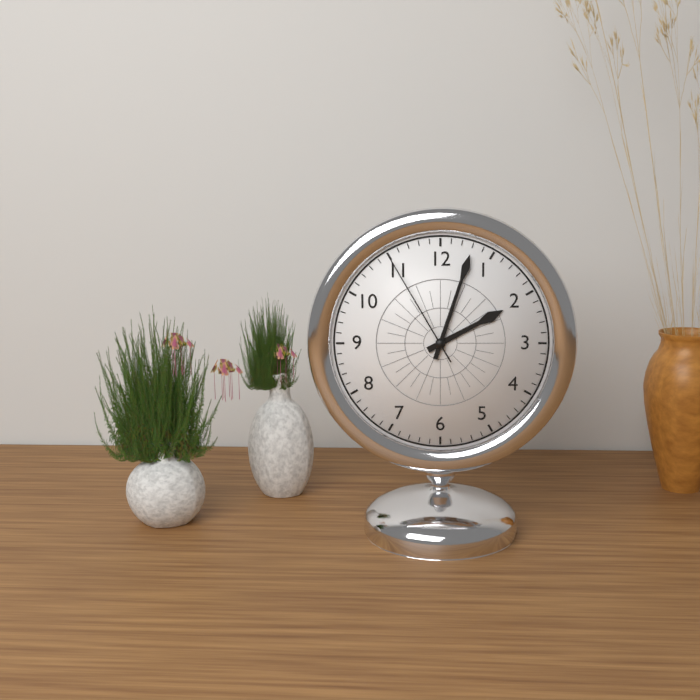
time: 2:03:55
